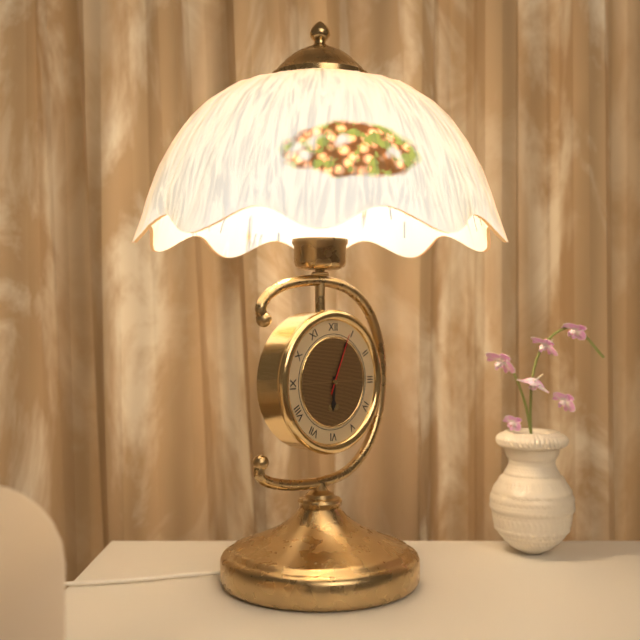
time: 6:04:04
